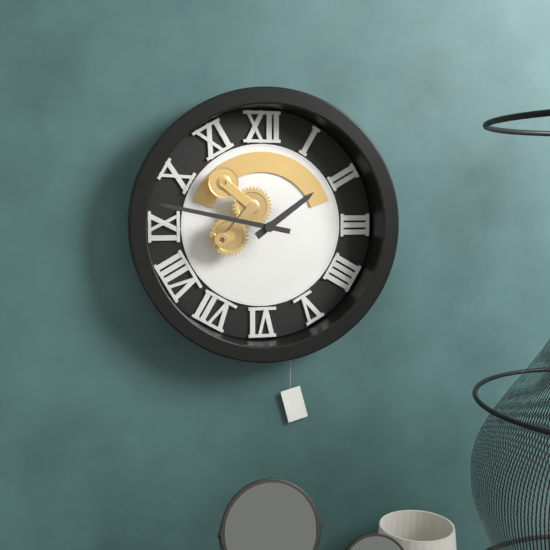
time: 1:47
